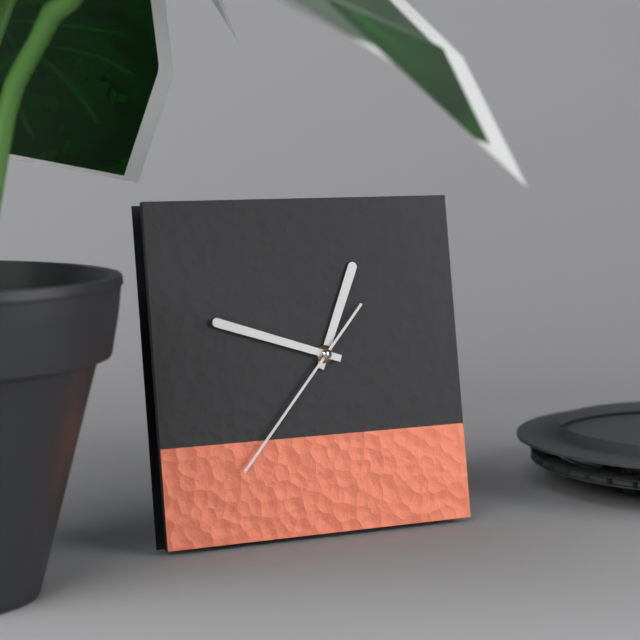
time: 12:48:37
